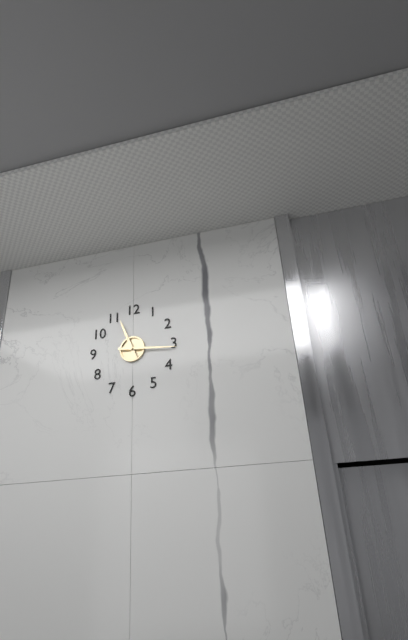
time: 11:16
